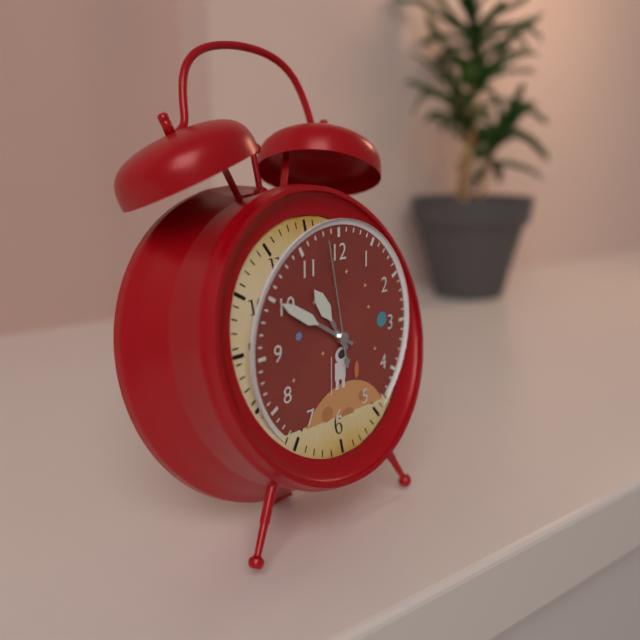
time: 10:50:58
